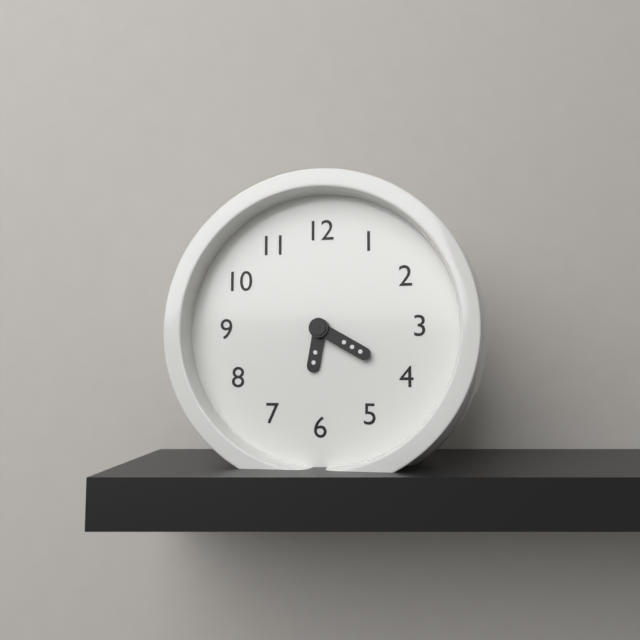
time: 6:20
